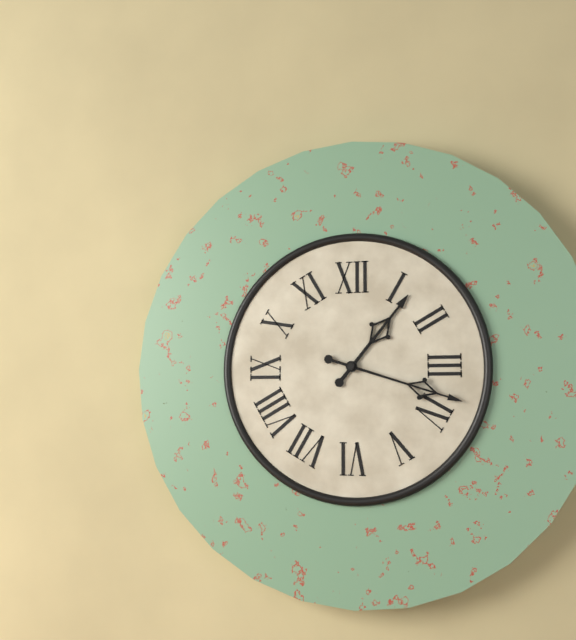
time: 1:18
